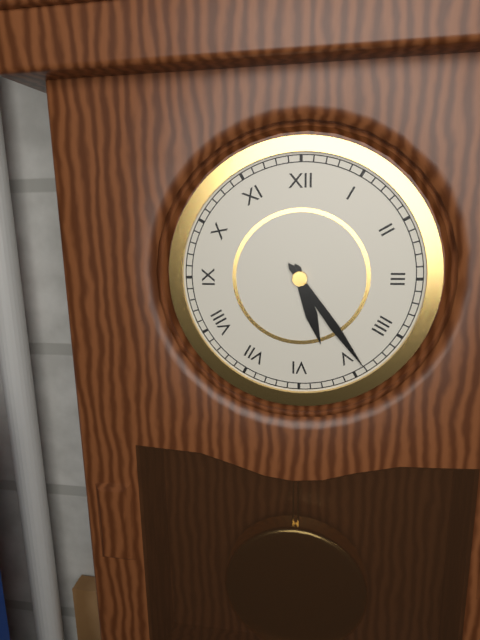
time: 5:24
